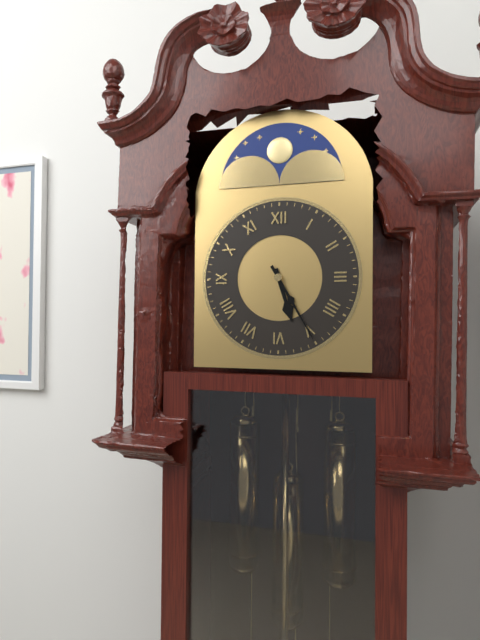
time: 5:25
